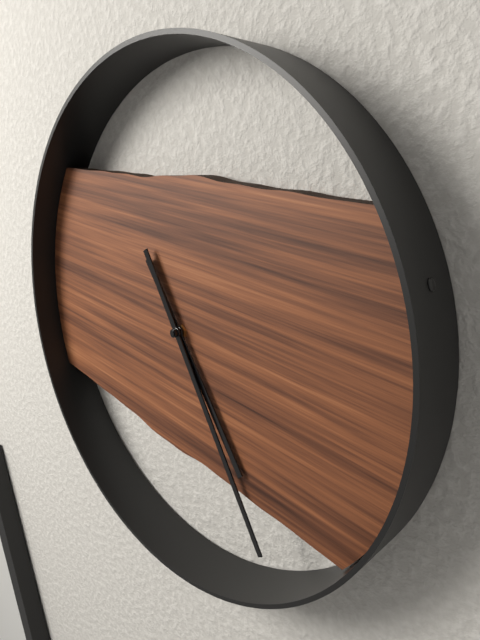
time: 5:28
